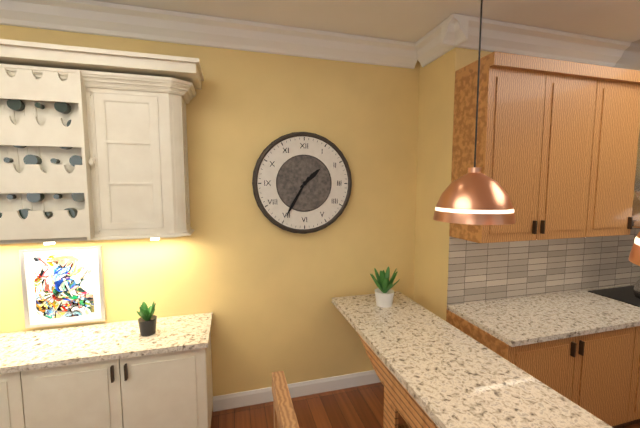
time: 1:35
